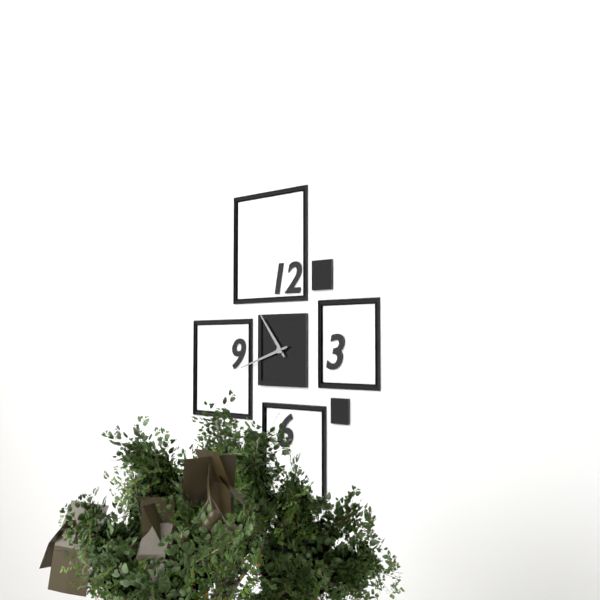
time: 10:42
